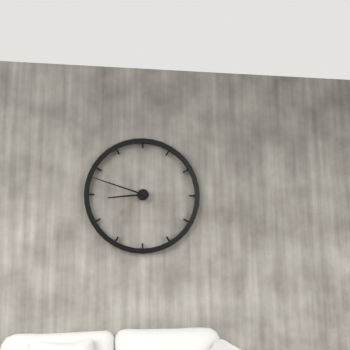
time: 8:48
